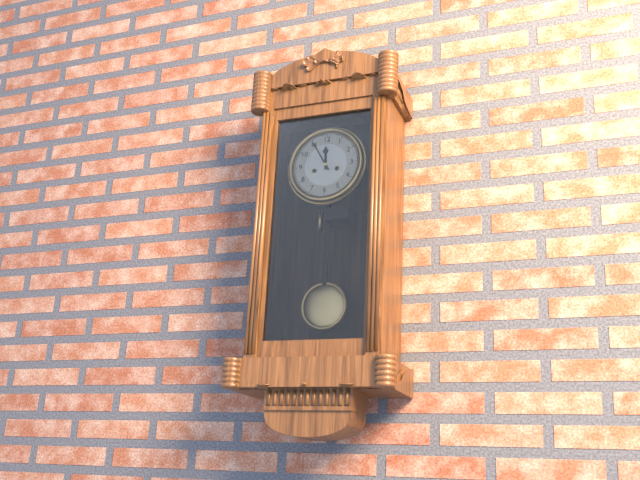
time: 11:55
